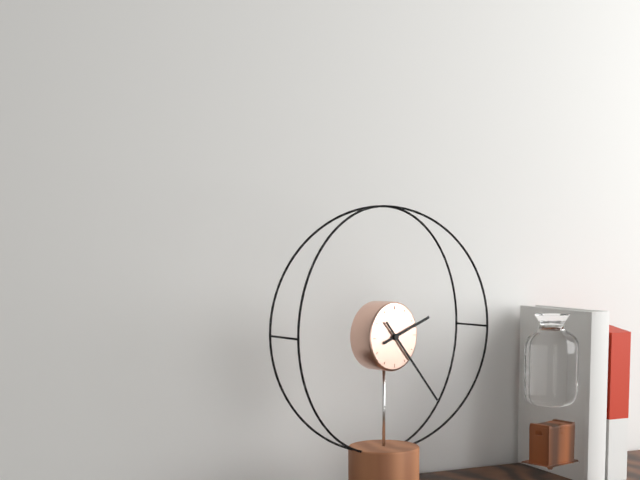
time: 2:23
